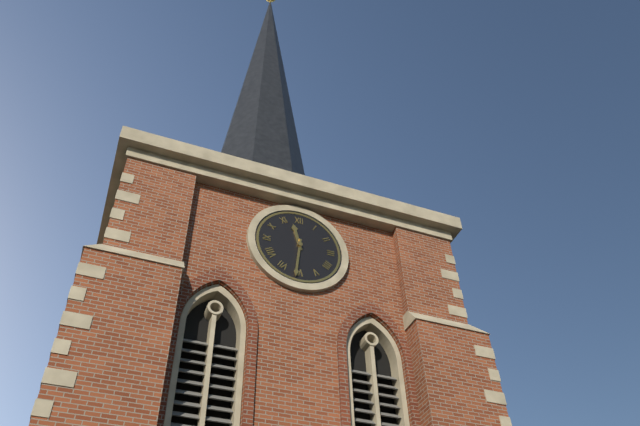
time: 11:31
